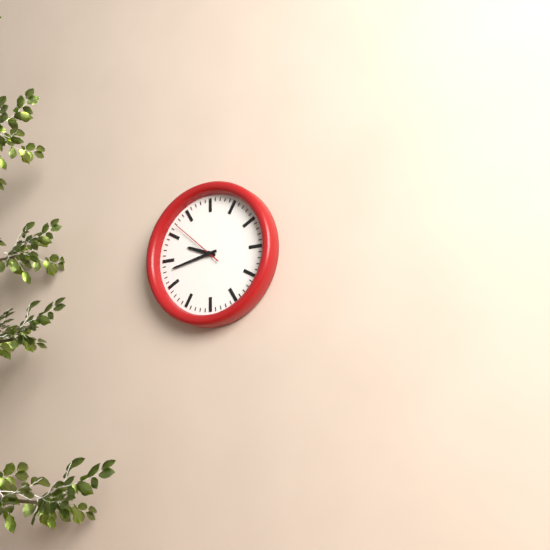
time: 9:43:52
